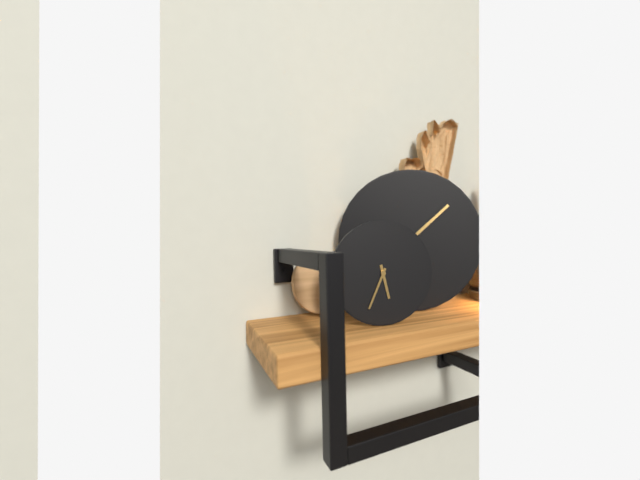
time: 5:34
